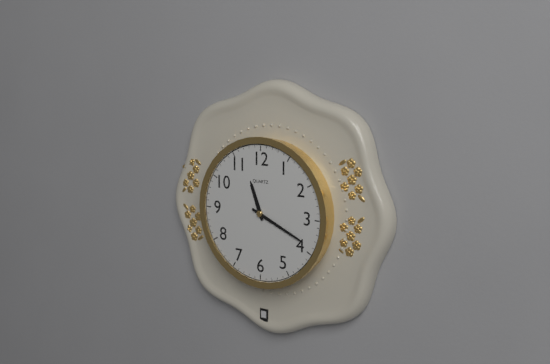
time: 11:19
